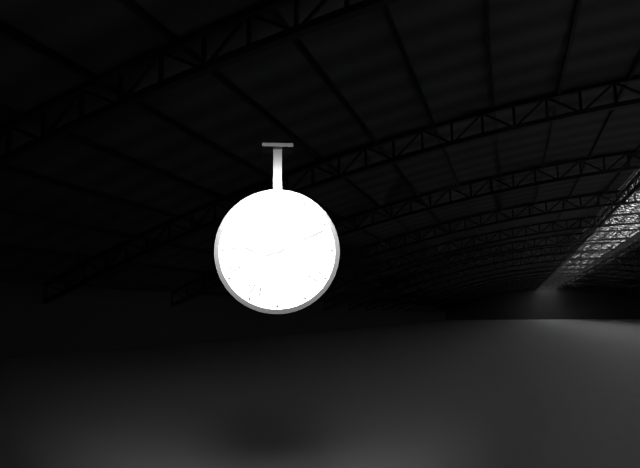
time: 9:11
